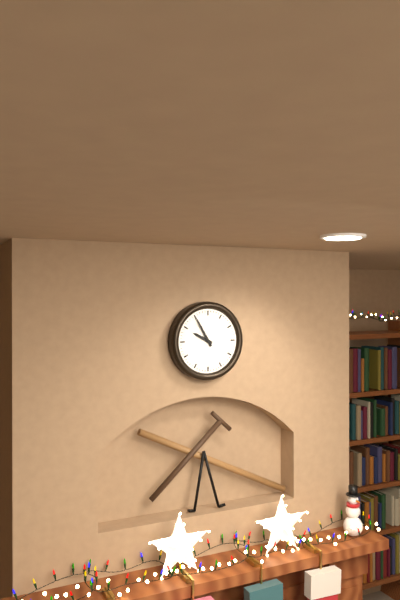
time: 9:55
